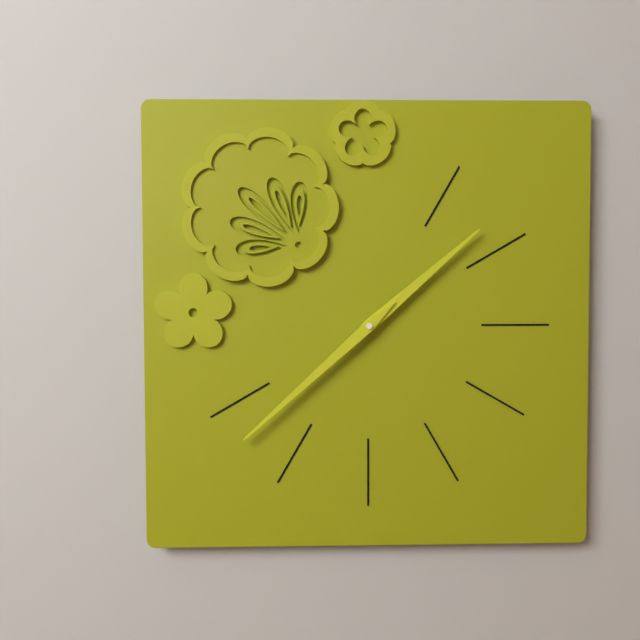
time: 1:38
